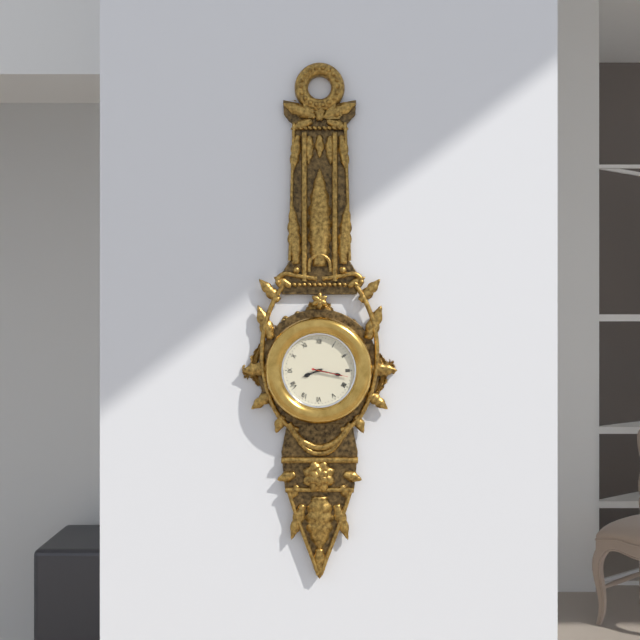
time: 8:17
